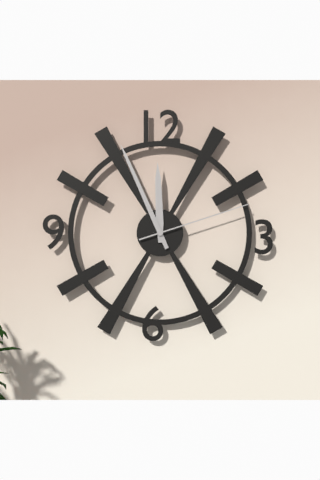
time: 11:56:12
